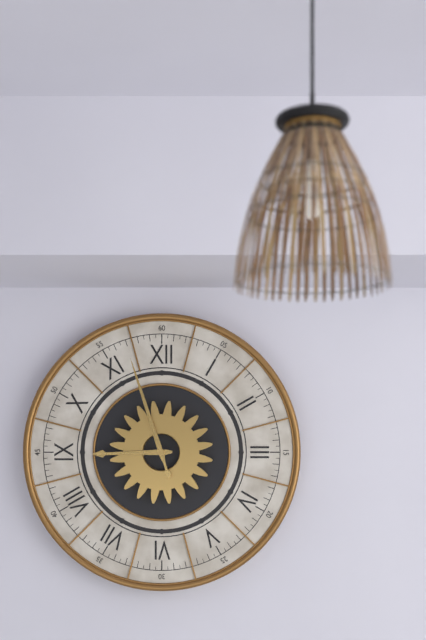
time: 8:57
